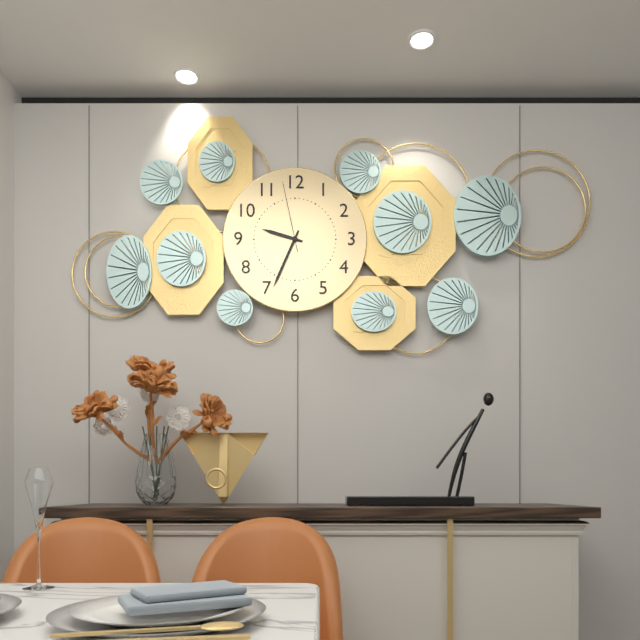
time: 9:34:58
